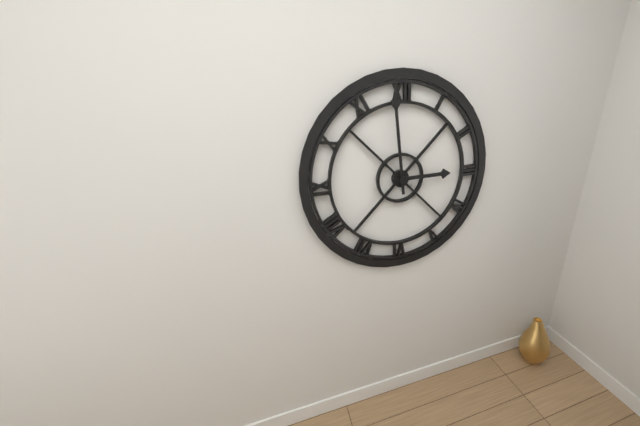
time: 2:59
